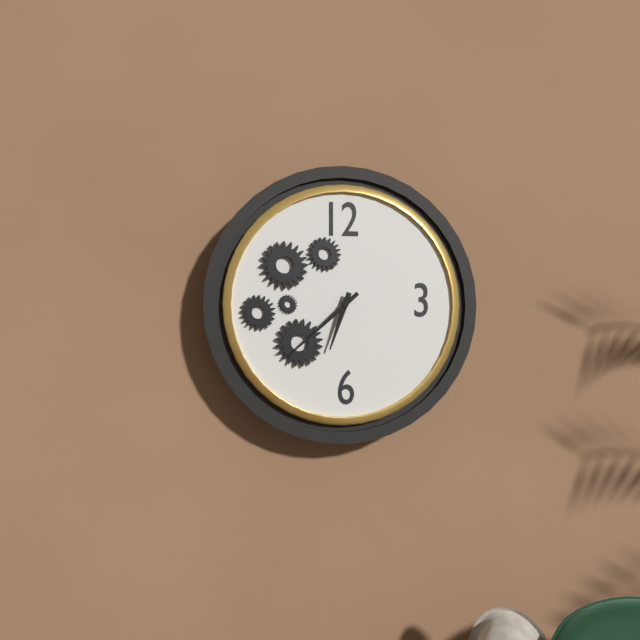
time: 6:38
